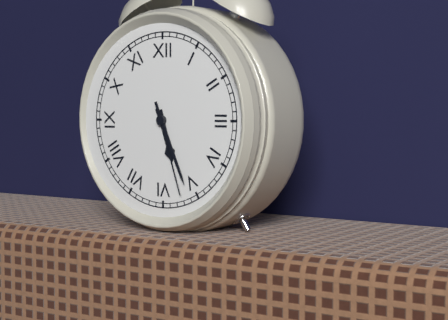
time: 5:26:27
